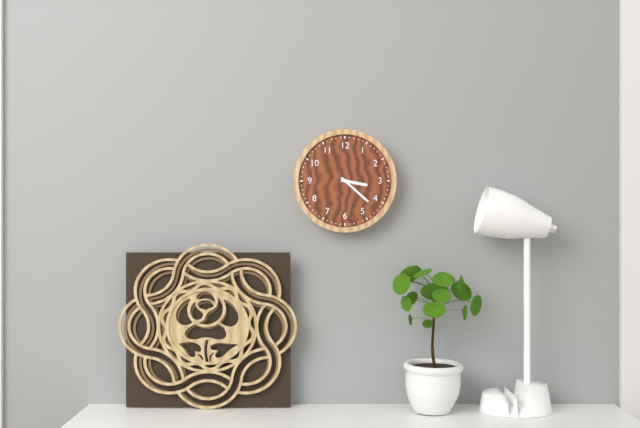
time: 3:22
